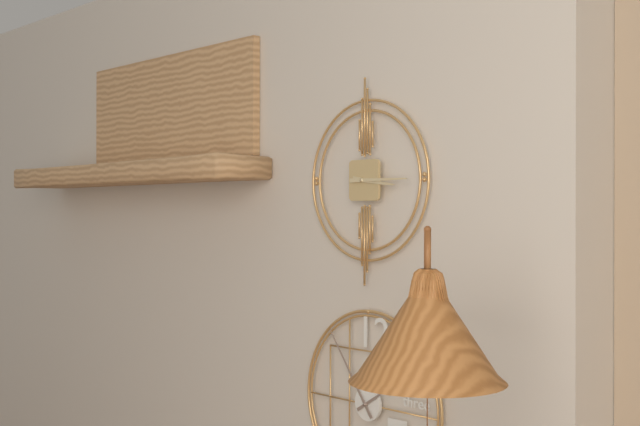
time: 3:15
